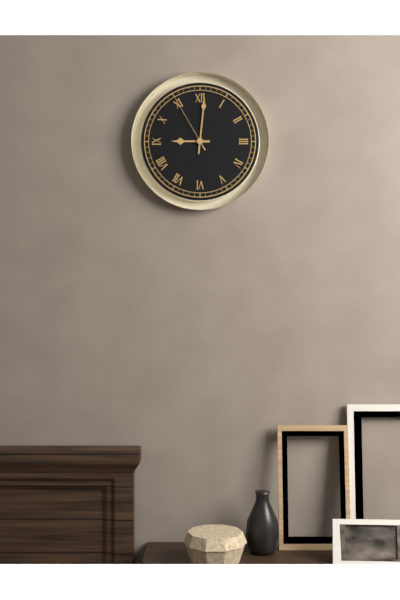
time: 9:01:55
